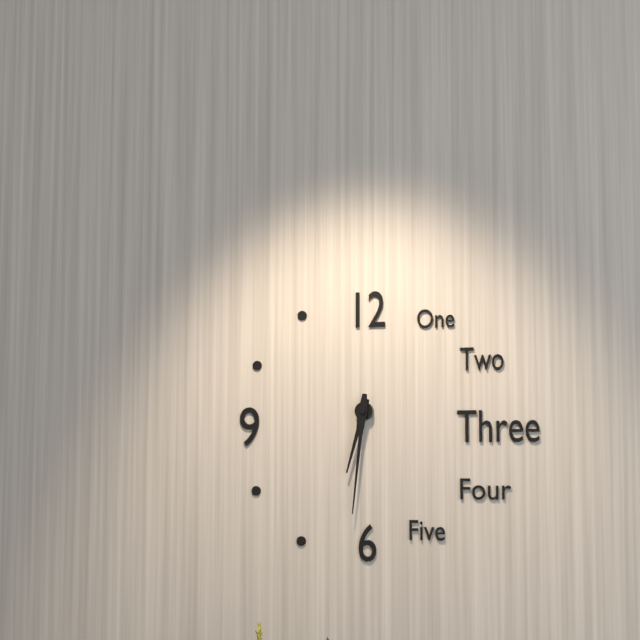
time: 6:31
